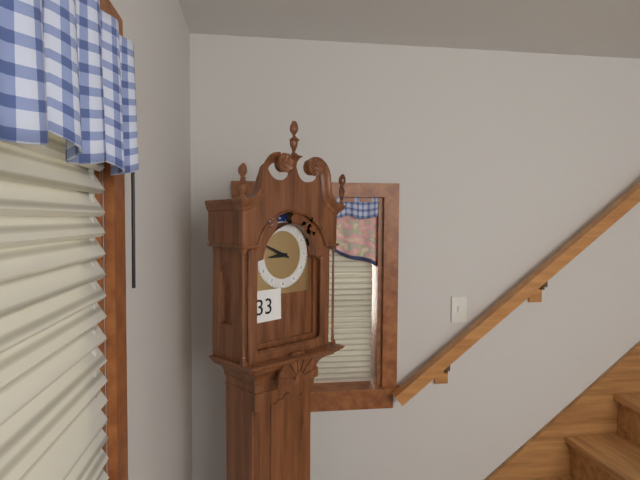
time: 8:49
